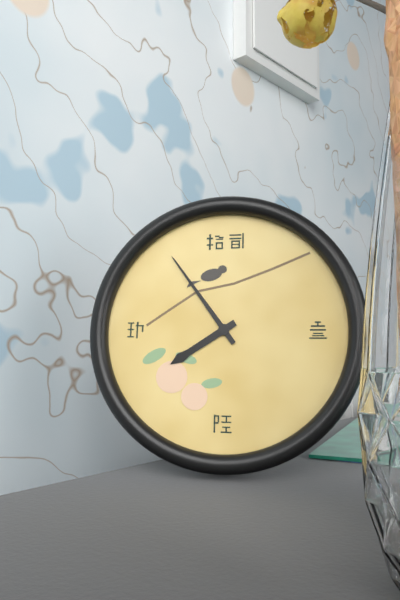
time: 7:54
